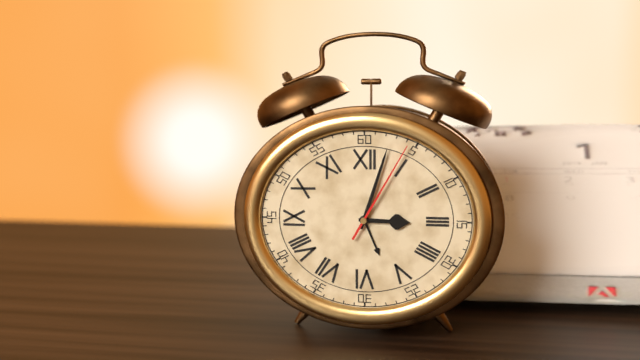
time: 3:03:05
